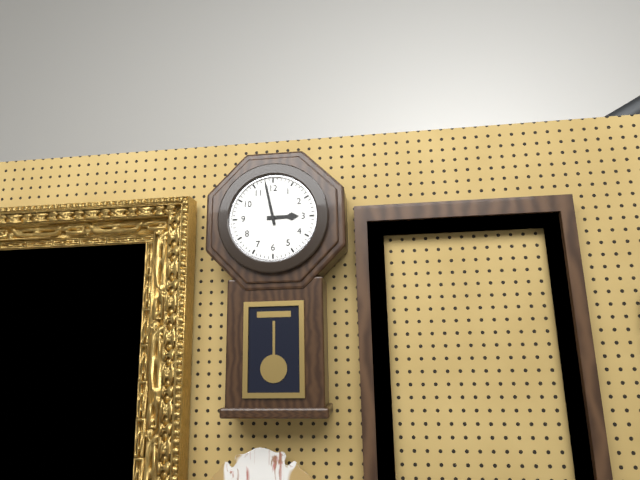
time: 2:58
